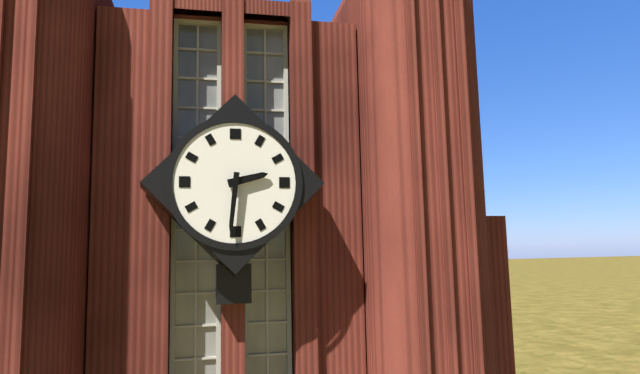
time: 2:31
